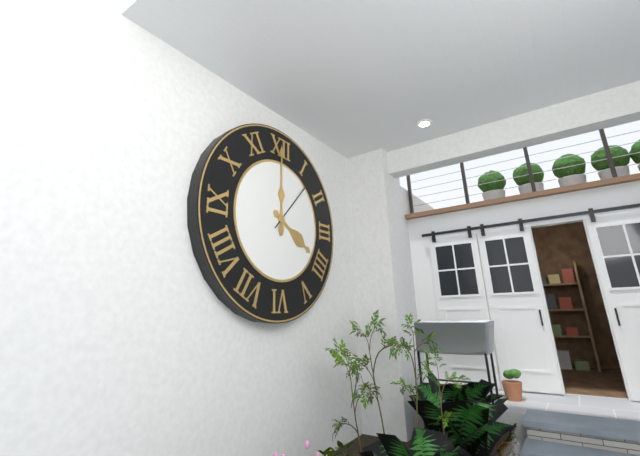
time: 4:00:07
